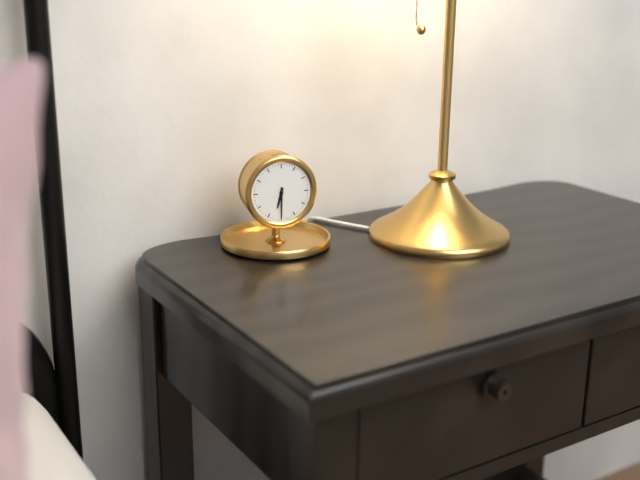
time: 6:30
